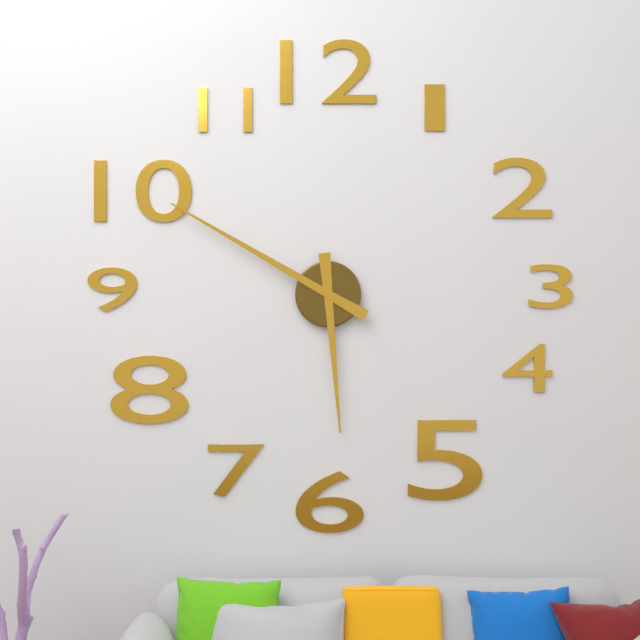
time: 5:50
